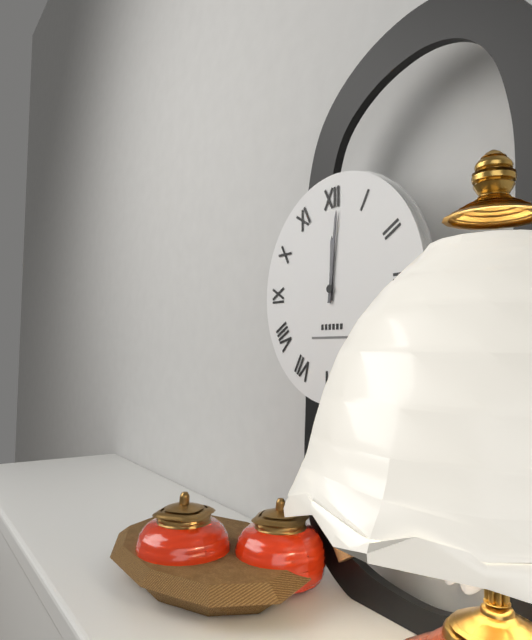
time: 12:01
